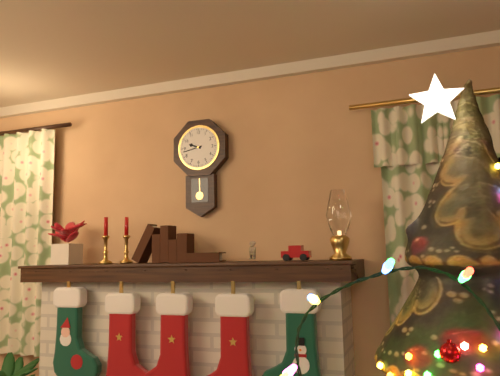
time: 9:43
